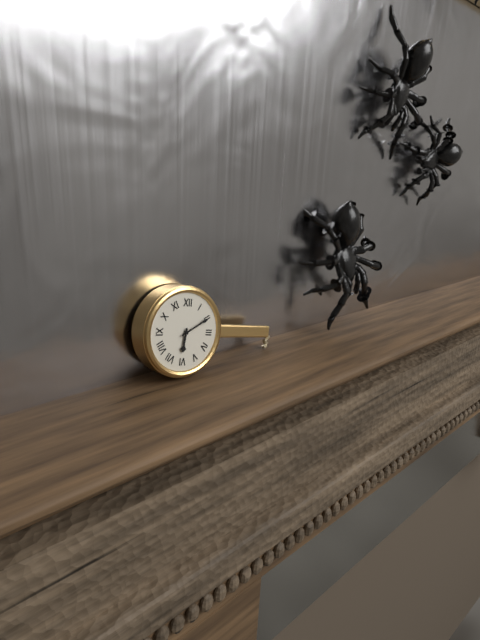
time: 6:10
